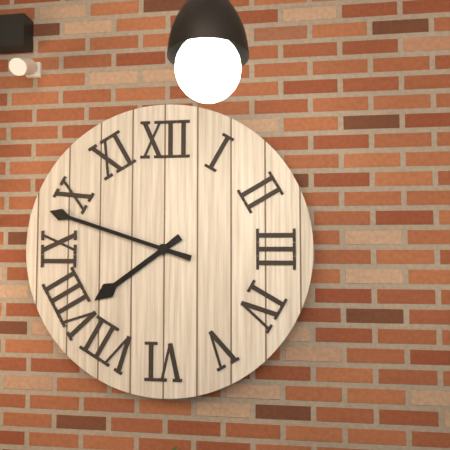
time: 7:48
